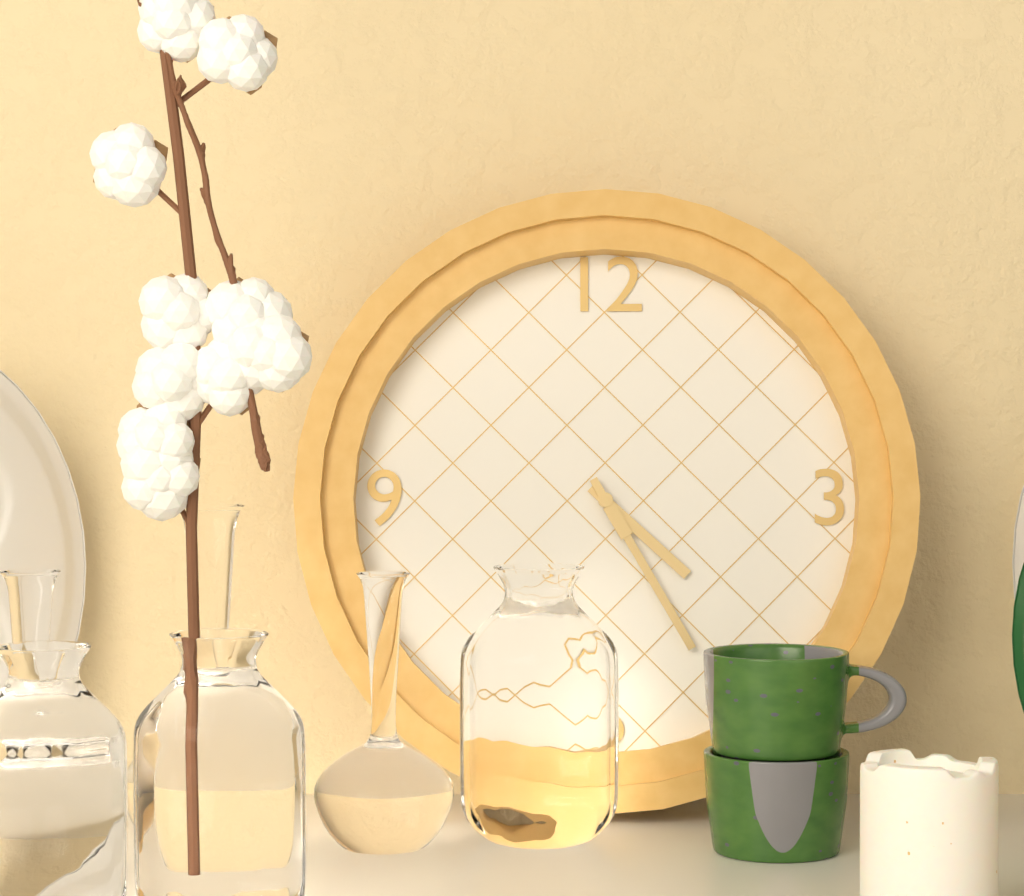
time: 4:25
